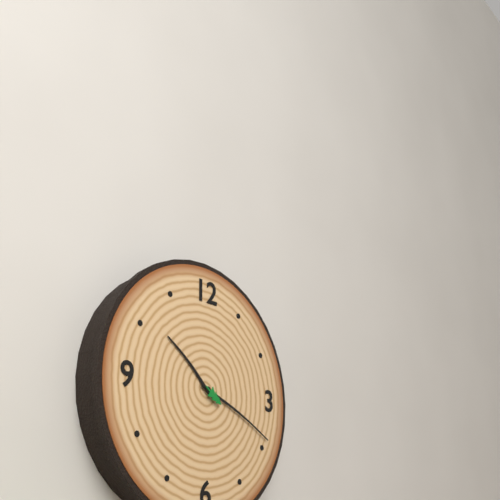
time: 10:19
